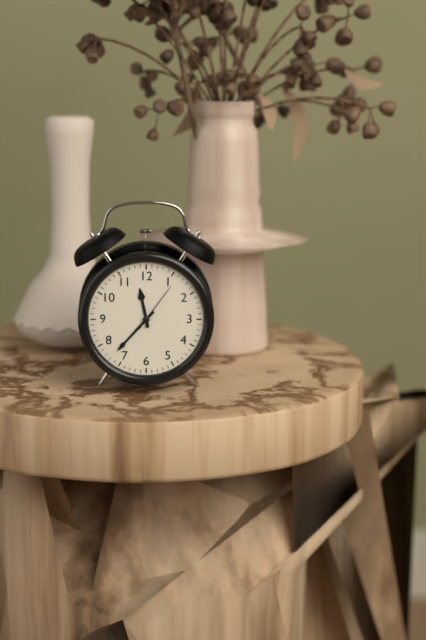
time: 11:37:06
